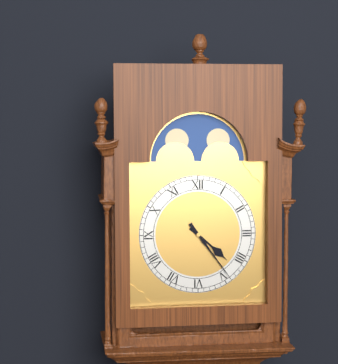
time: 4:24
